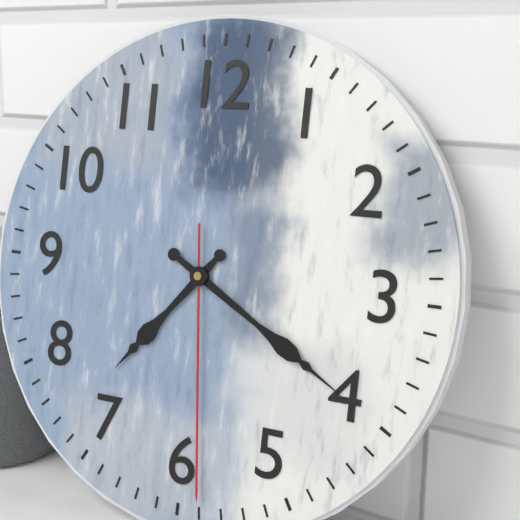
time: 7:20:29
